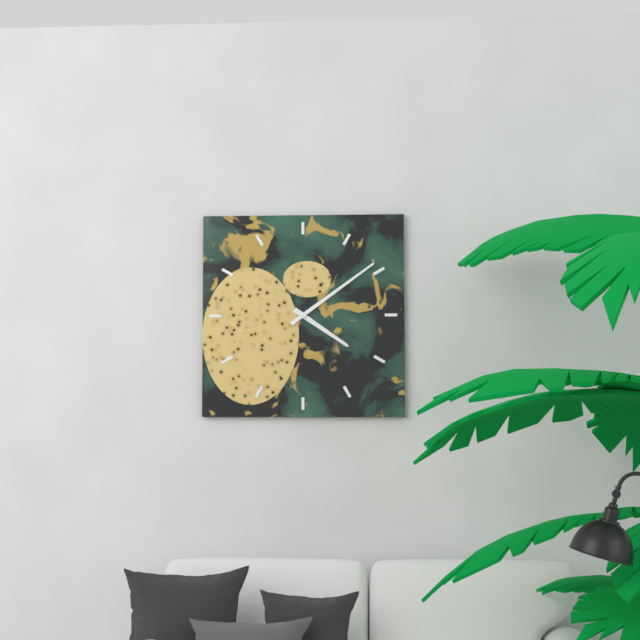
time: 4:09
